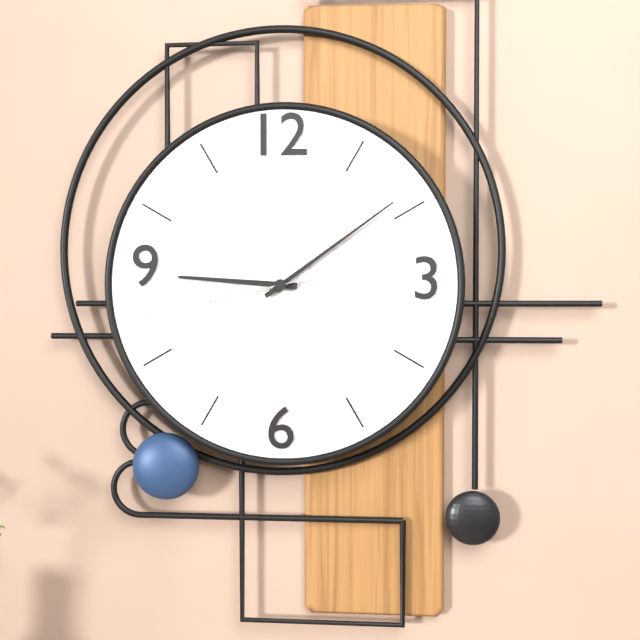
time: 9:09:43
